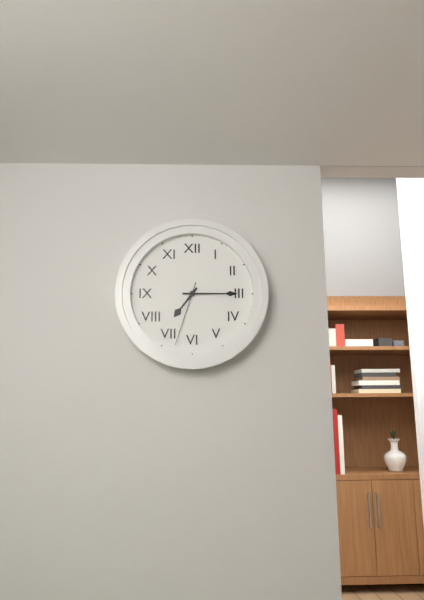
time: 7:15:33
